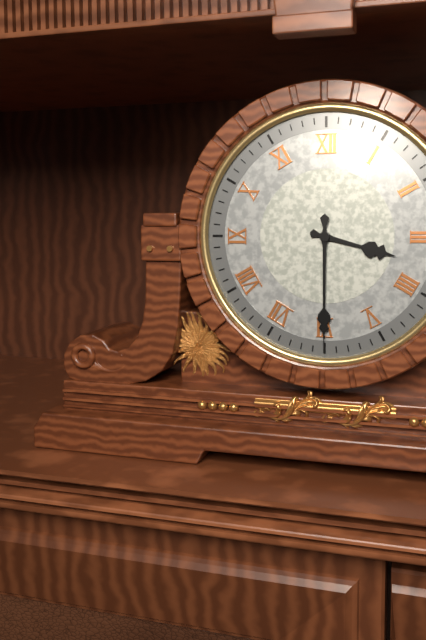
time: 3:30
